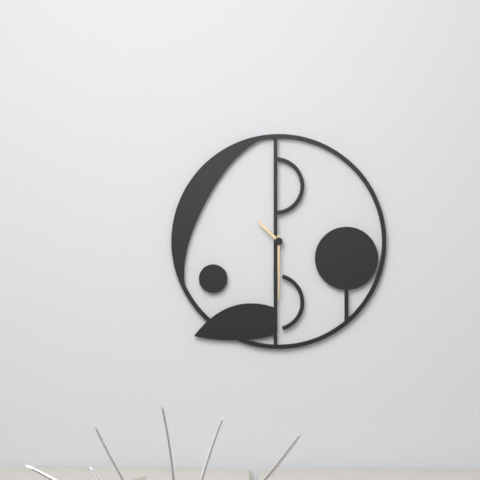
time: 10:30
